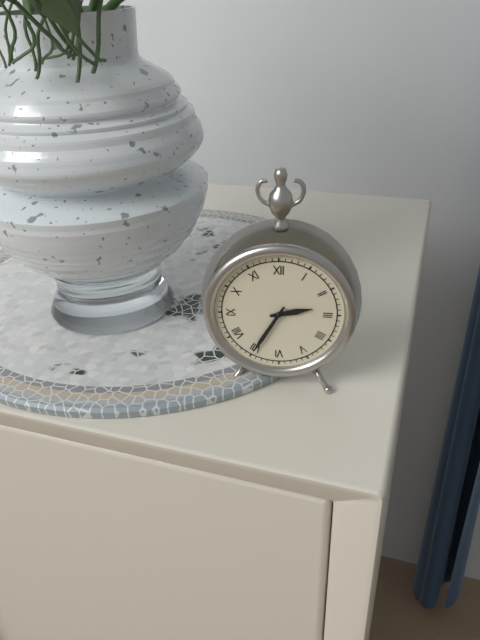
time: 2:35
